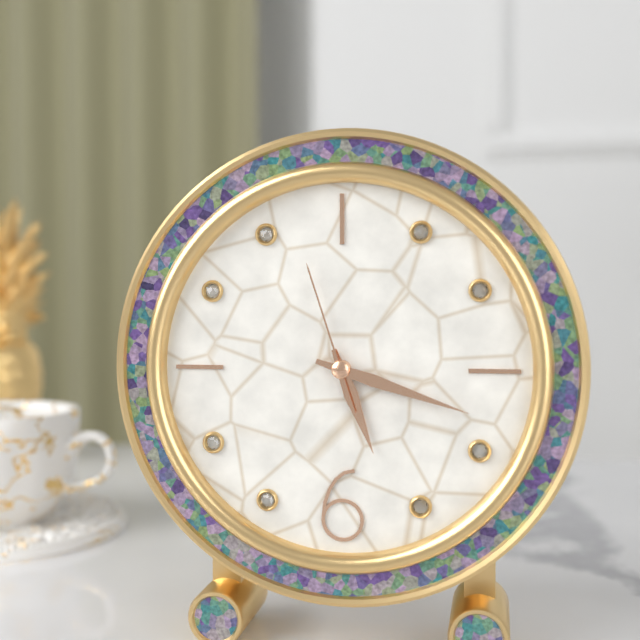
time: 5:18:57
